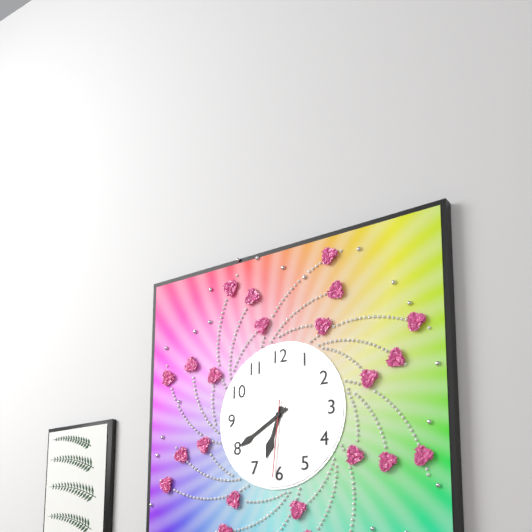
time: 6:40:31
